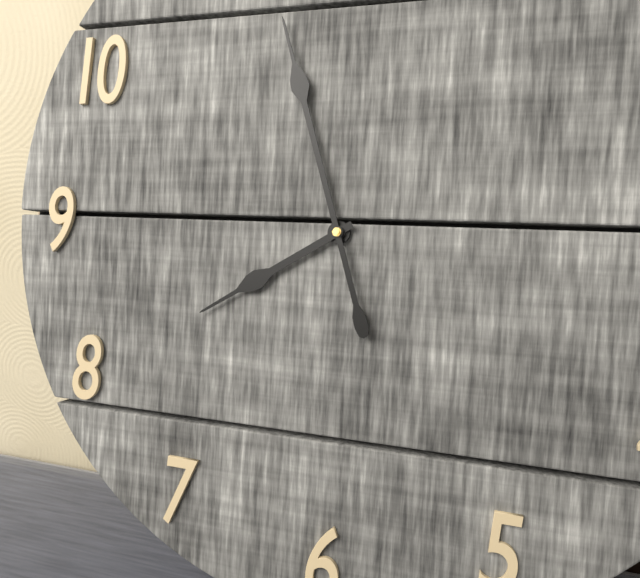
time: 7:57
